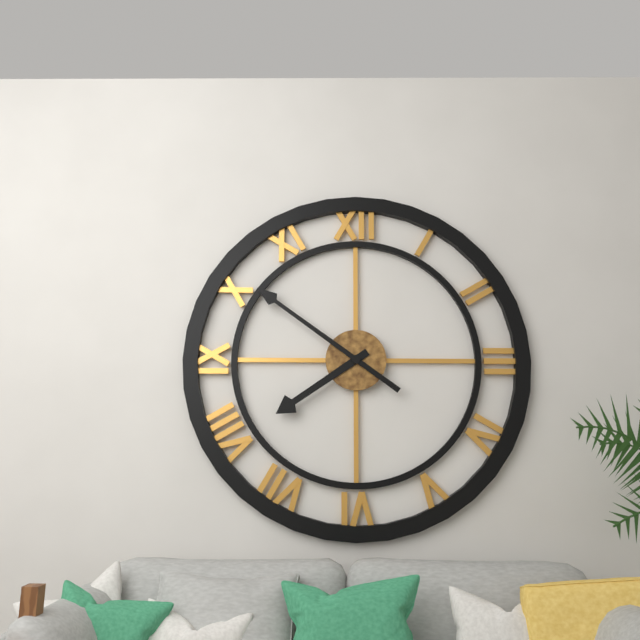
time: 7:51
